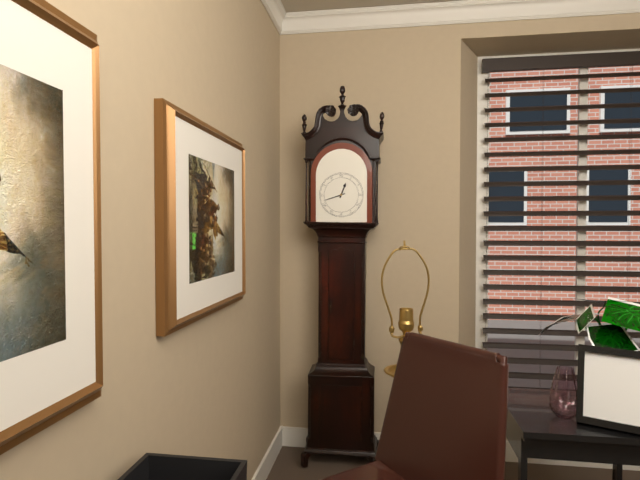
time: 12:42
